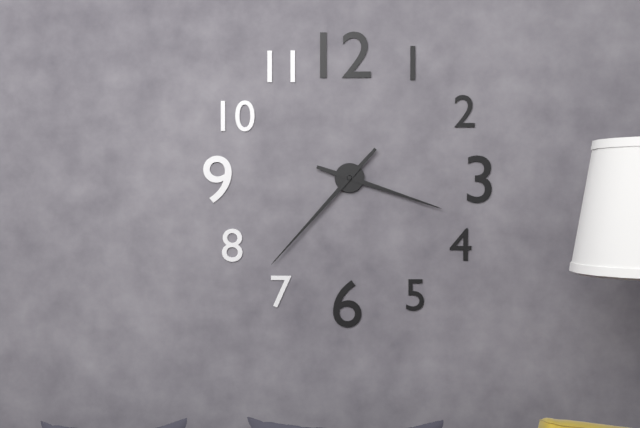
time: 3:37
